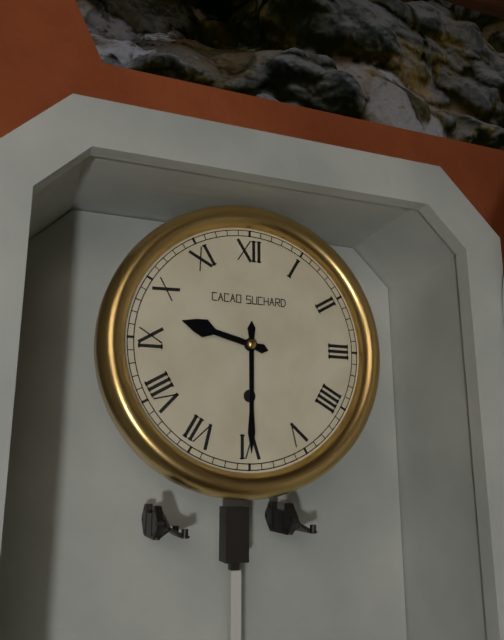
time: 9:30
